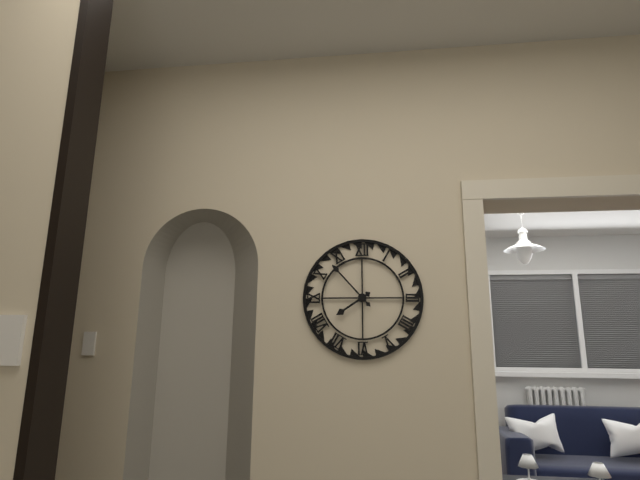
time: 7:53
